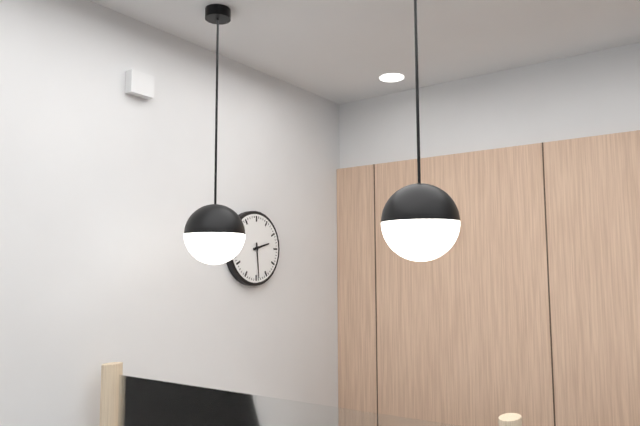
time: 2:29
